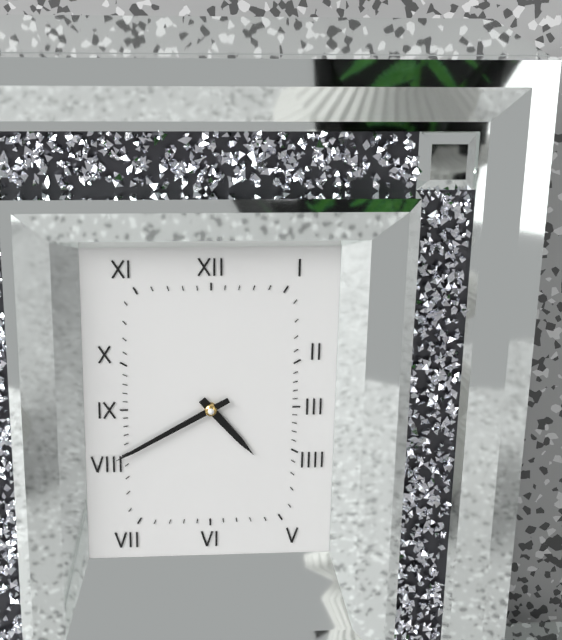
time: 4:40
